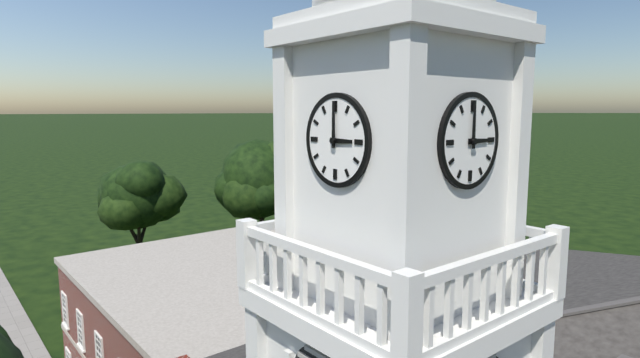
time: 3:00
